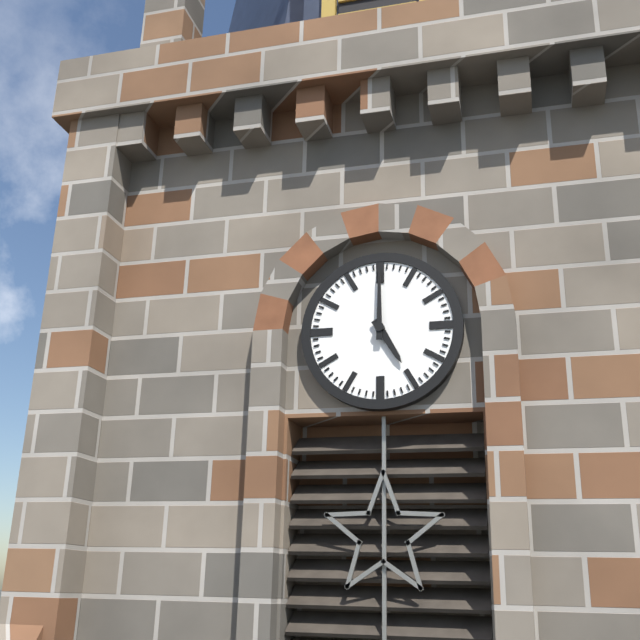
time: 5:00
